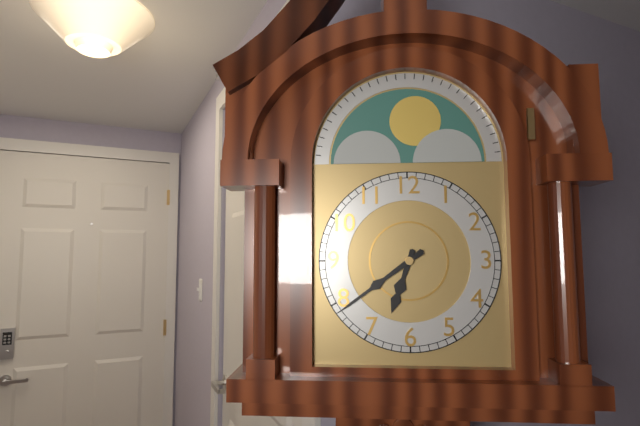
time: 6:39
